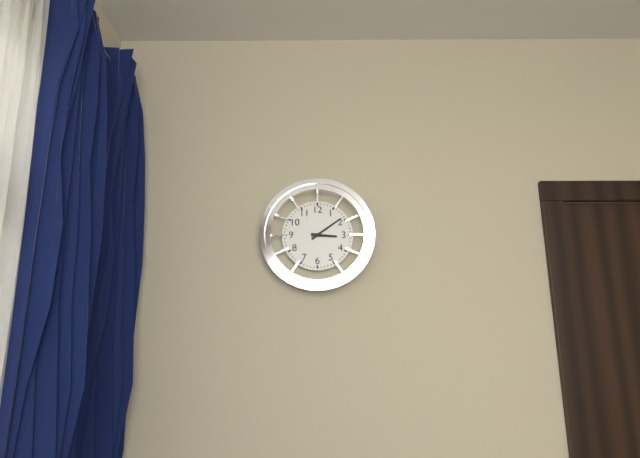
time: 3:09
